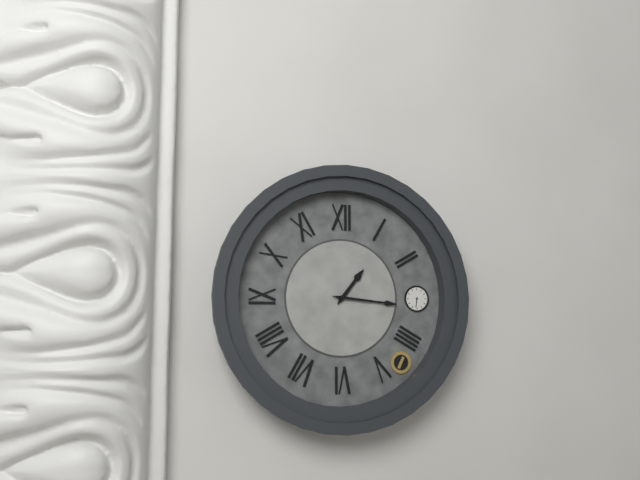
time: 1:16
